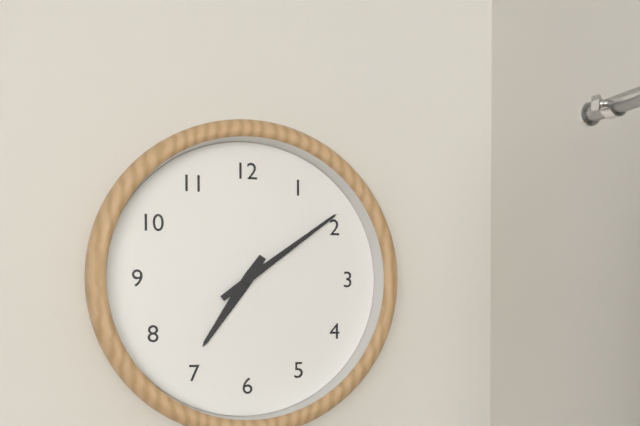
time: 7:09
